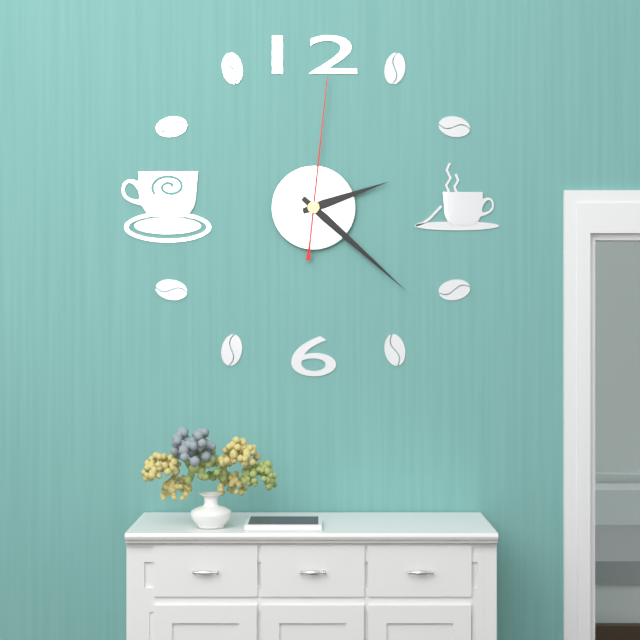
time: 2:22:01
